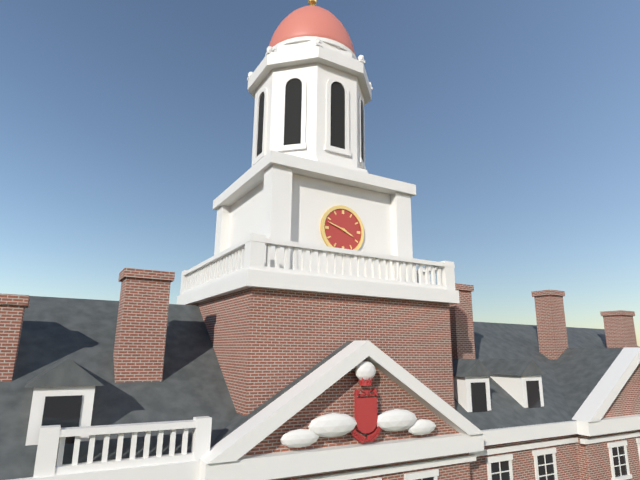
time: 3:48
